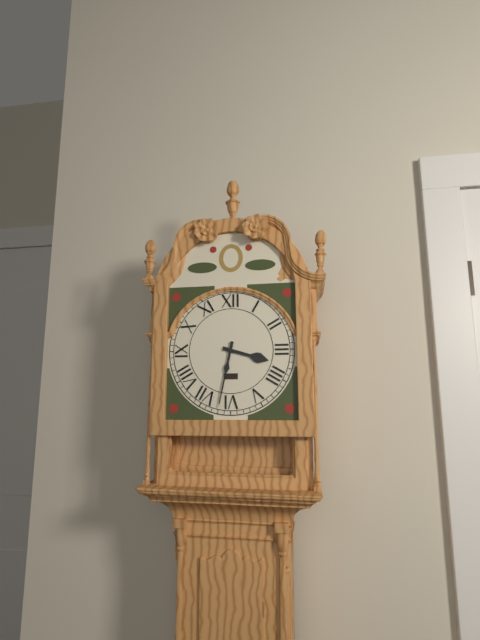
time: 3:32
